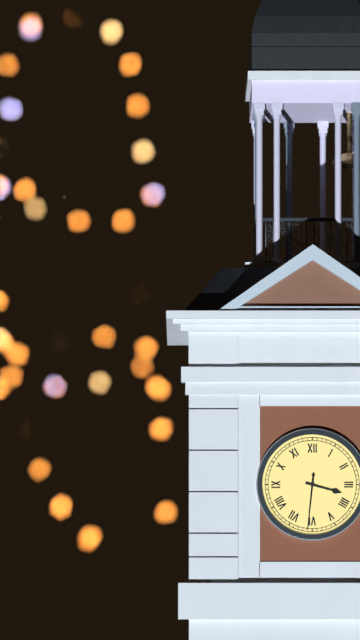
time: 3:31
